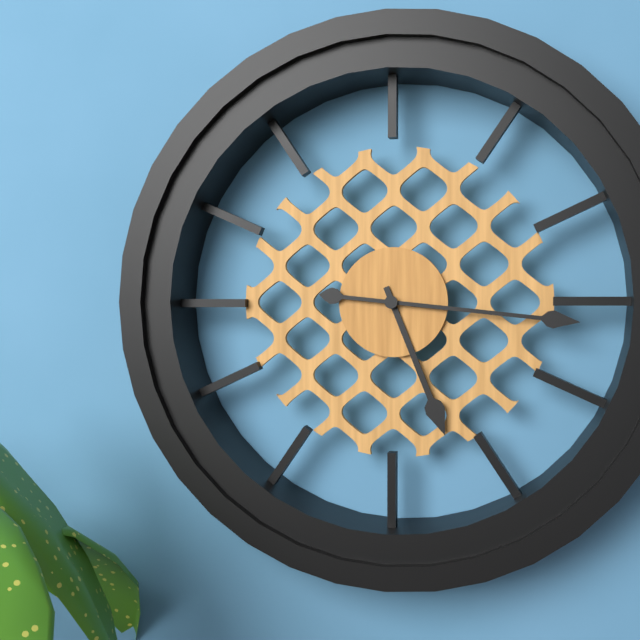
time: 5:16
